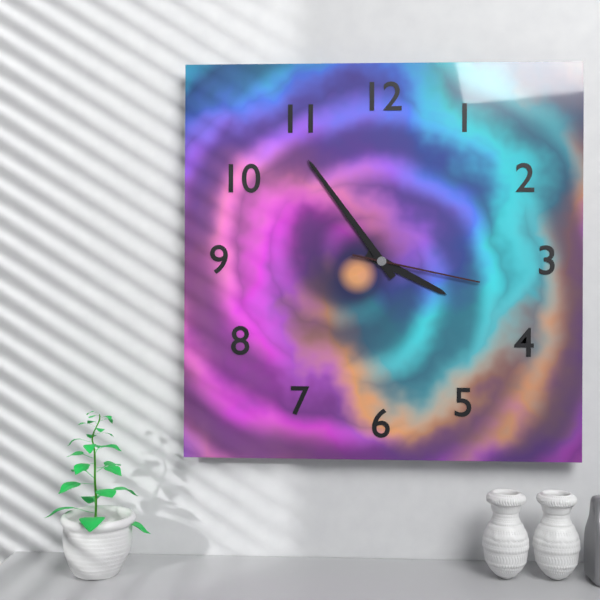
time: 3:54:17
